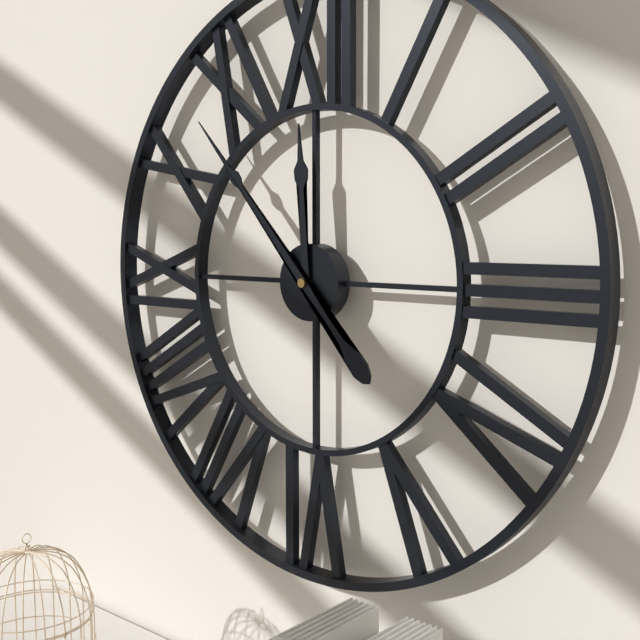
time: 11:53
